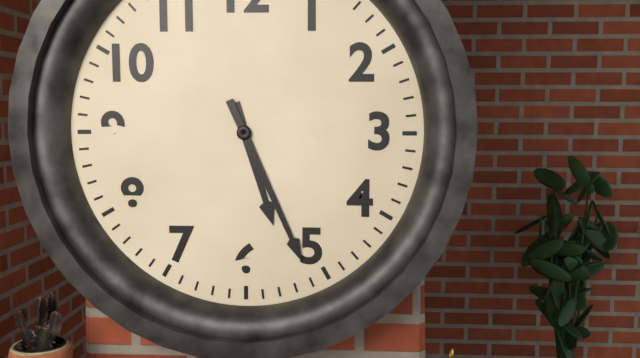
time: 5:26
